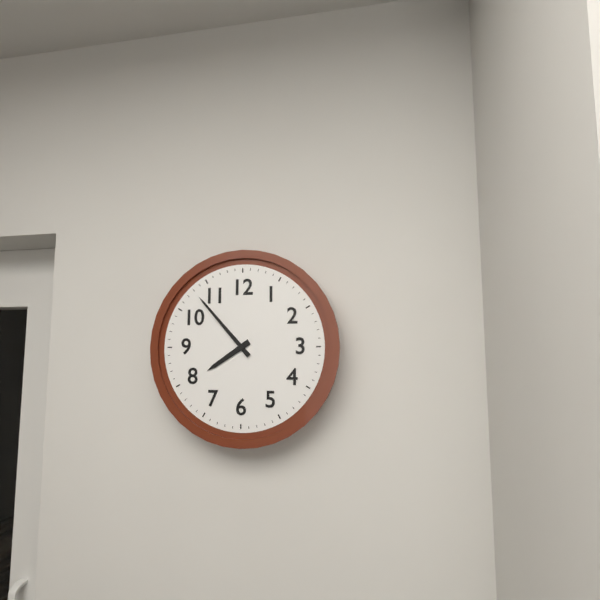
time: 7:53
